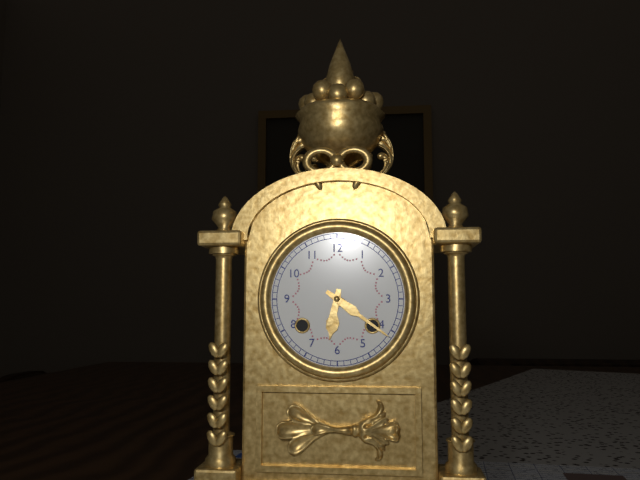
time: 6:21
